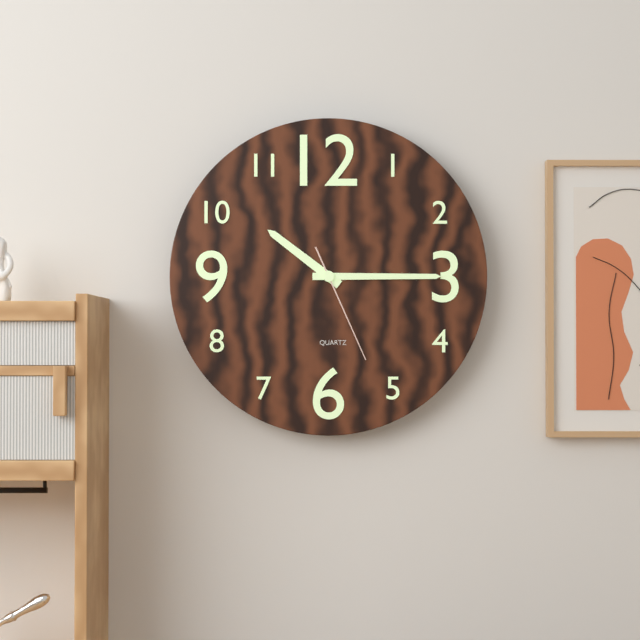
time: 10:15:26
